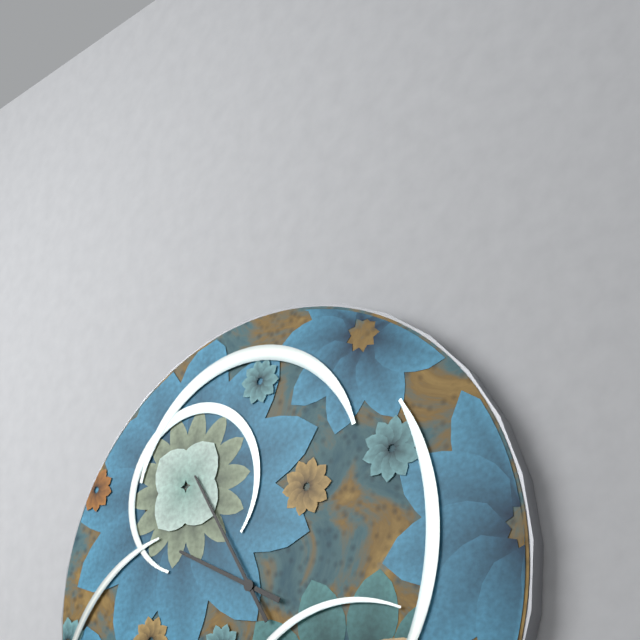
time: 9:55
